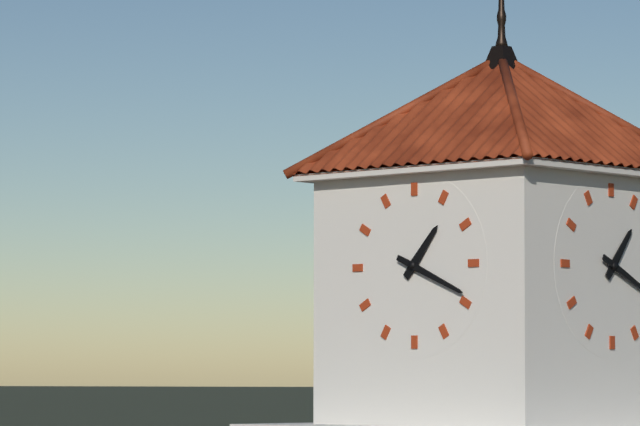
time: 1:19
